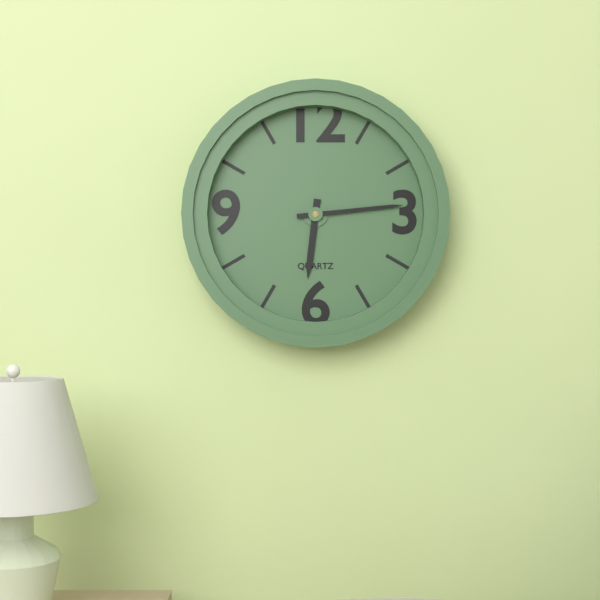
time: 6:14
